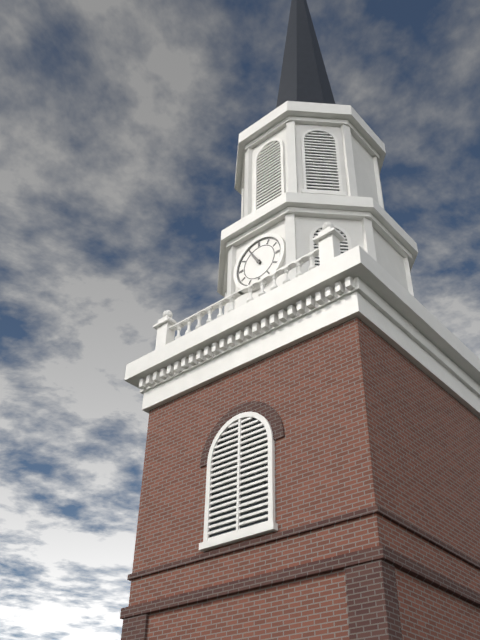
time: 10:55
